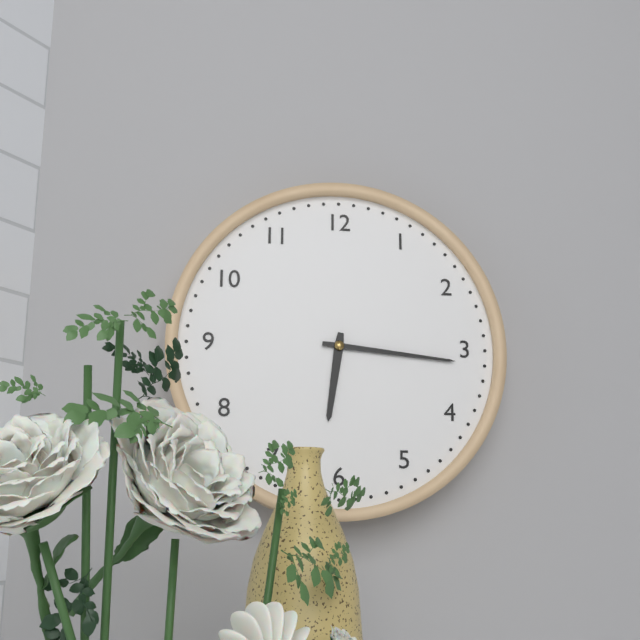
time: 6:16
